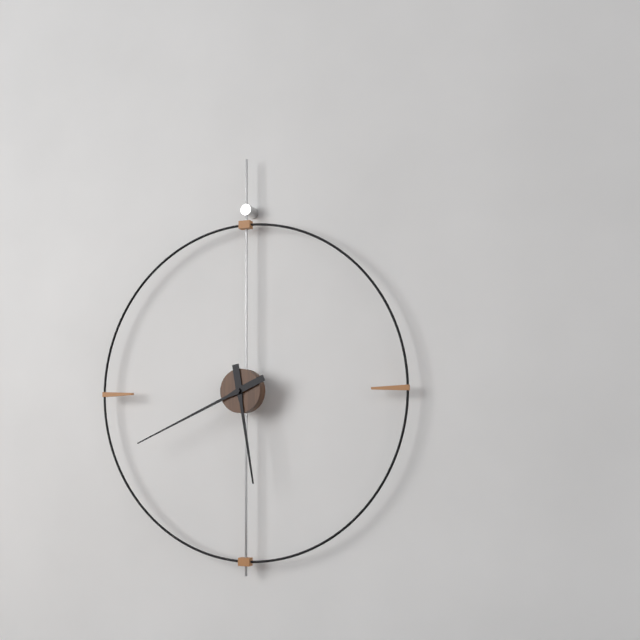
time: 5:41
